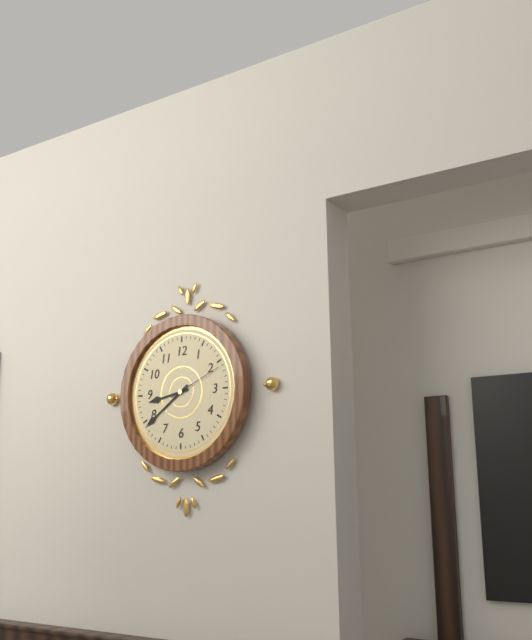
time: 8:39:11
